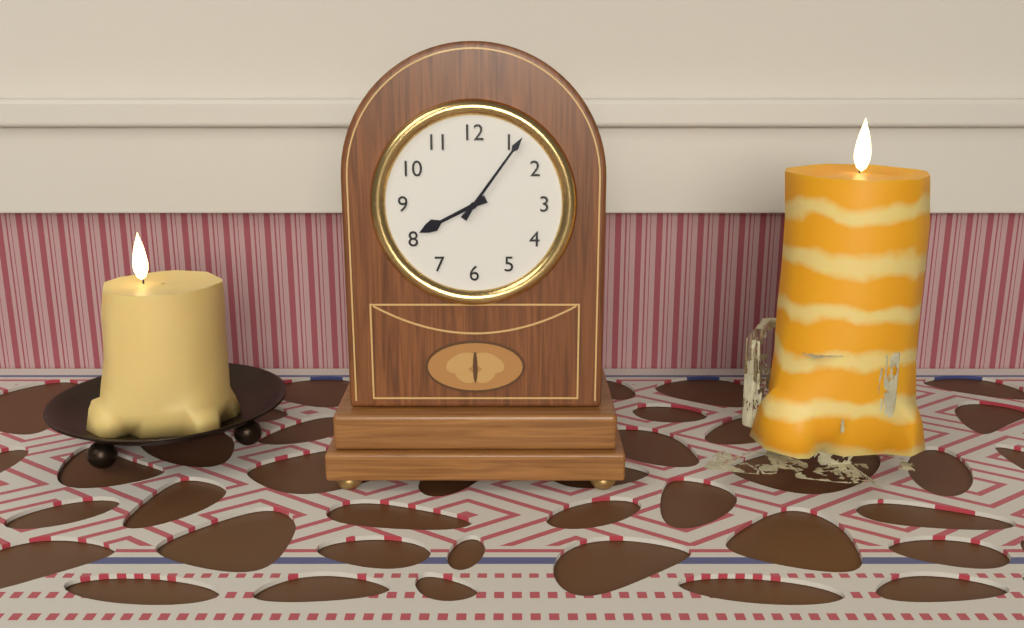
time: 8:06
